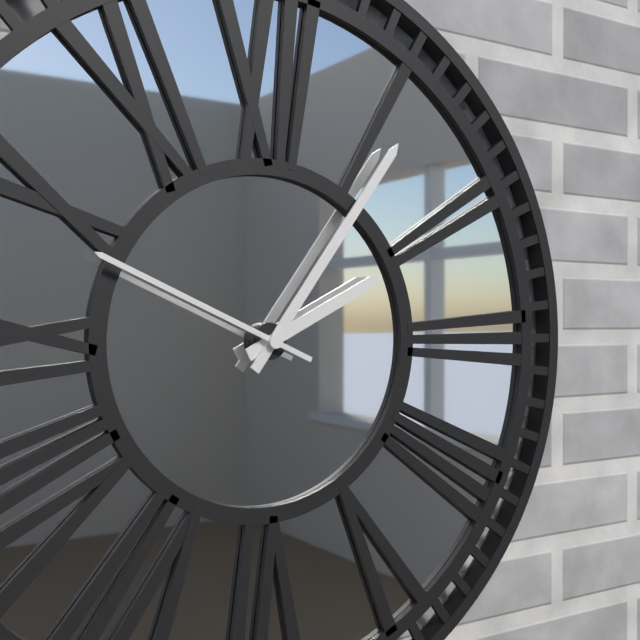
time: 2:06:49
